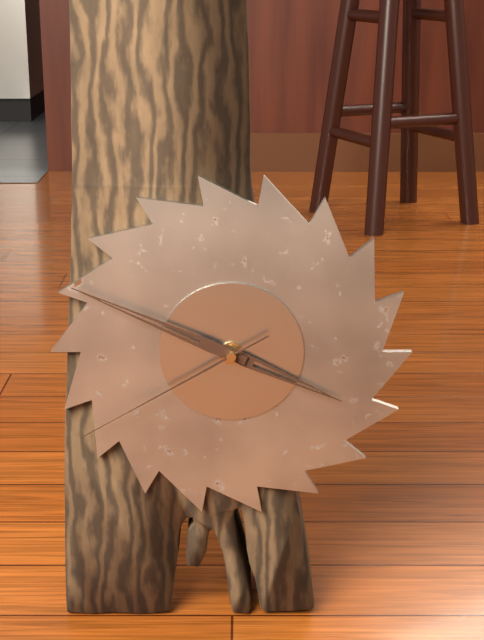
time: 3:49:40
